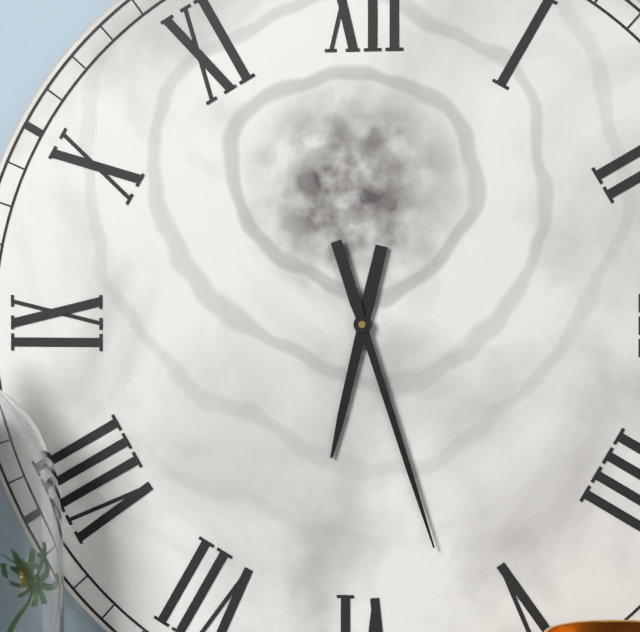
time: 6:27
